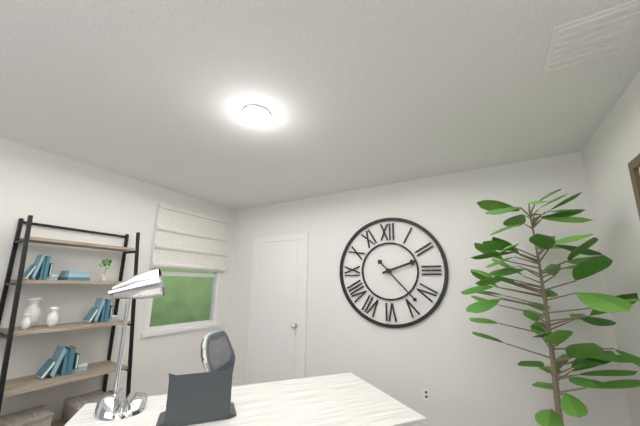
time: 2:23
